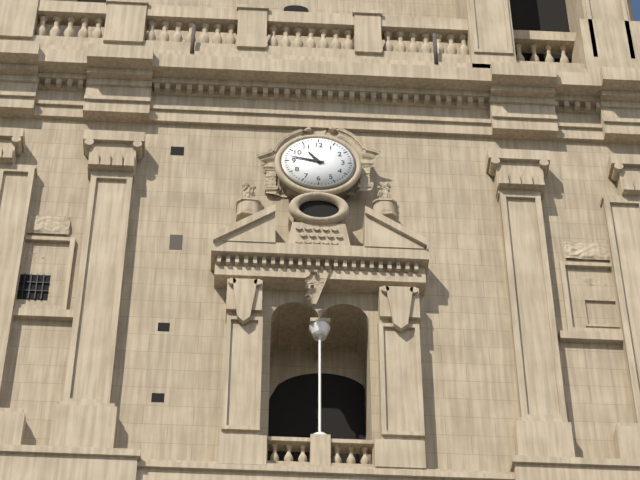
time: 10:47
